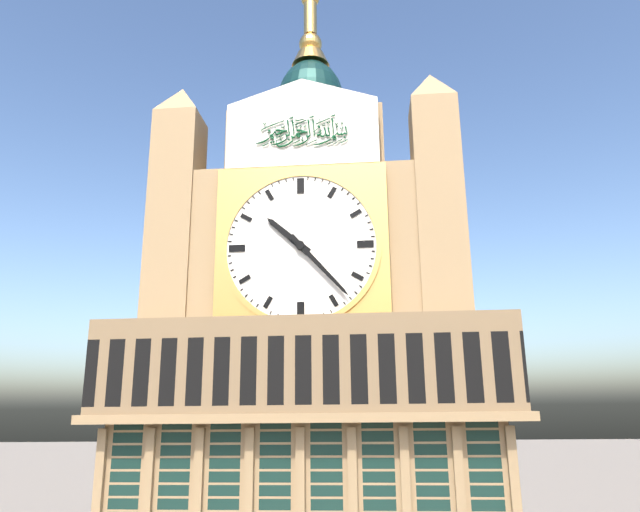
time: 10:23
